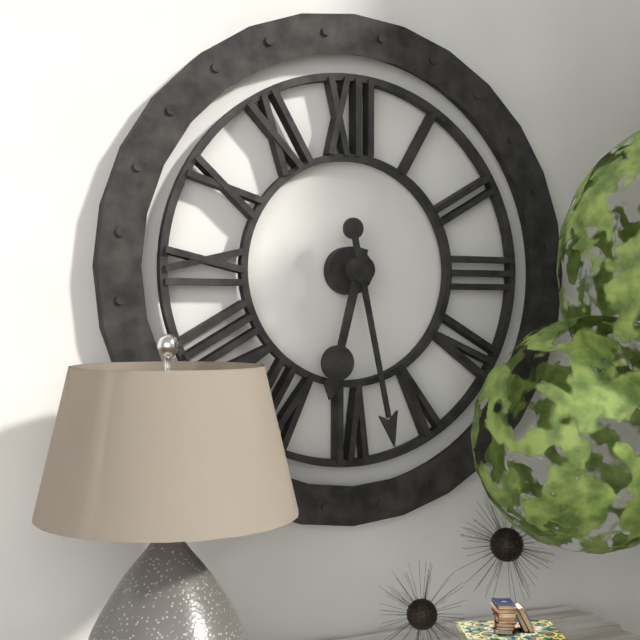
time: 6:28
